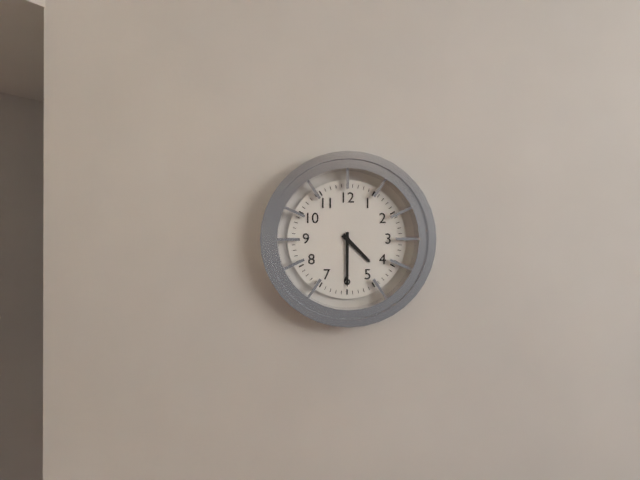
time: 4:30
